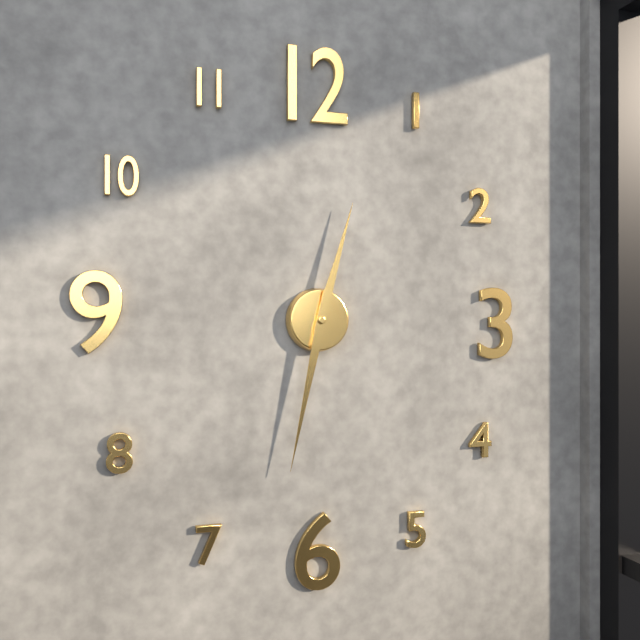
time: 12:32
